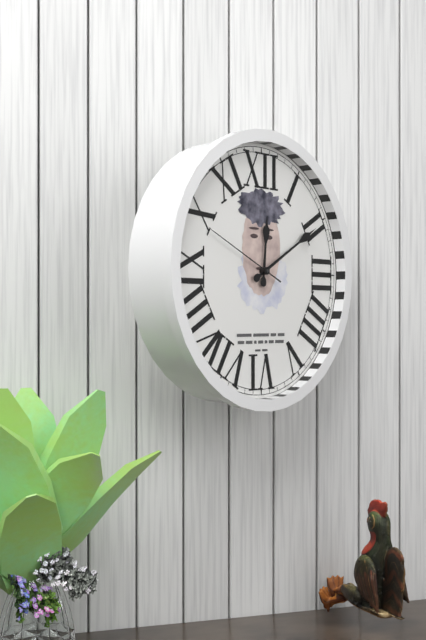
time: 12:10:49
